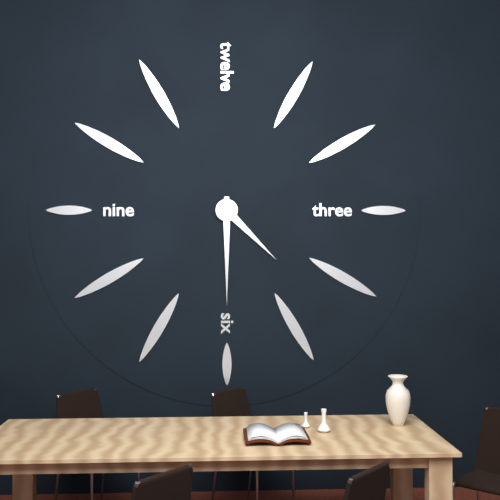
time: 4:30
